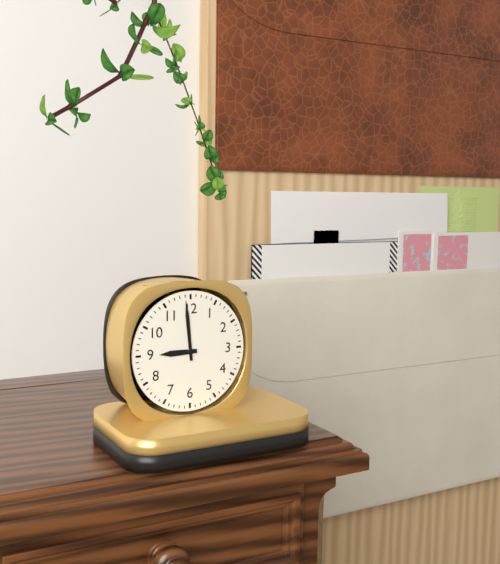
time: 8:59
